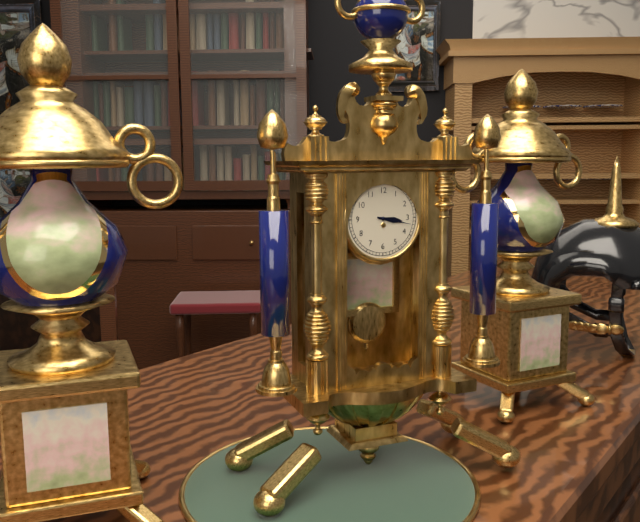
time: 3:17
